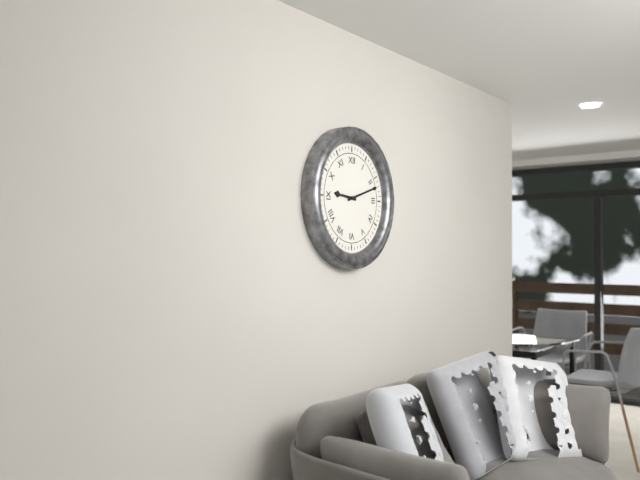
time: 9:12
